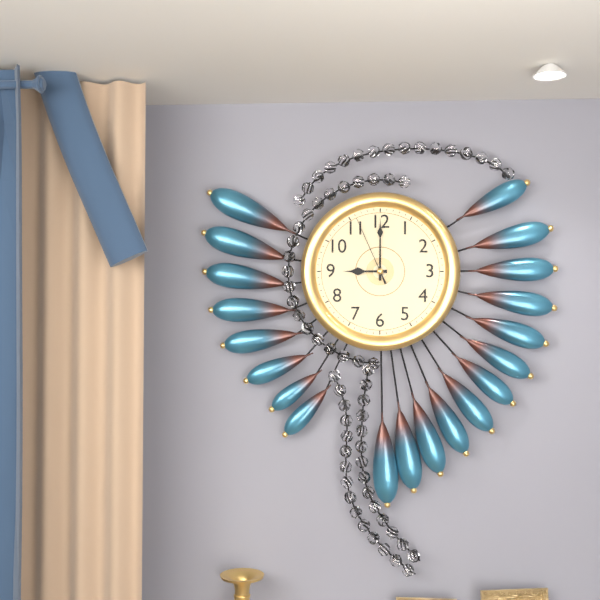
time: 9:00:56
